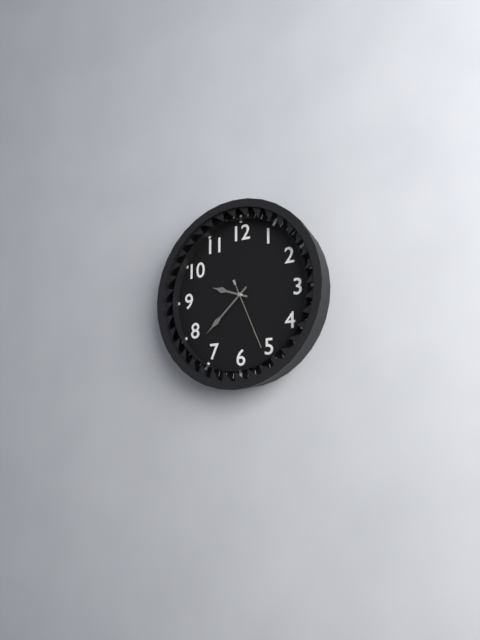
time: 9:38:26
